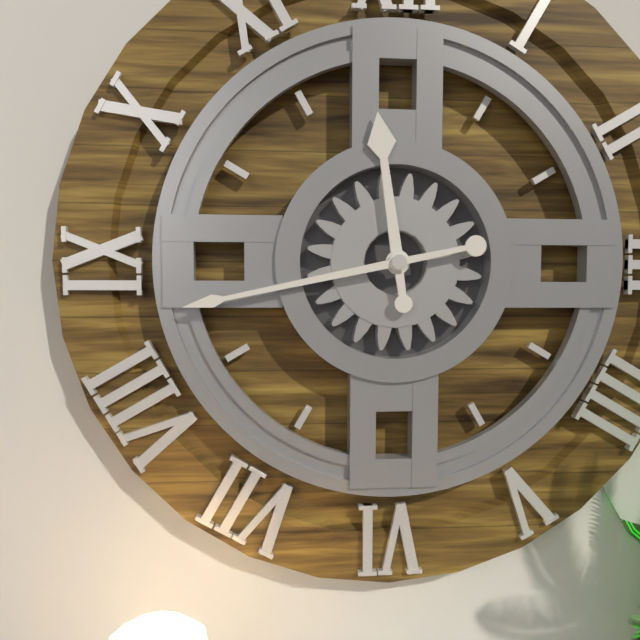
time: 11:43
